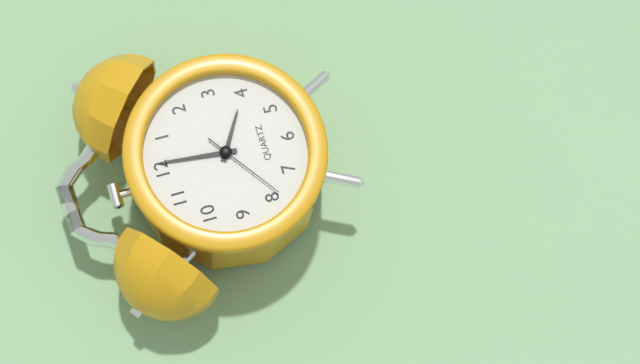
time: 4:01:39
